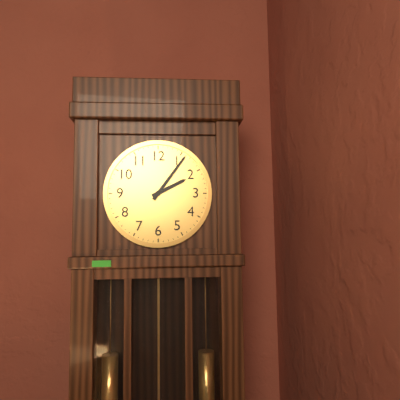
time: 2:06
